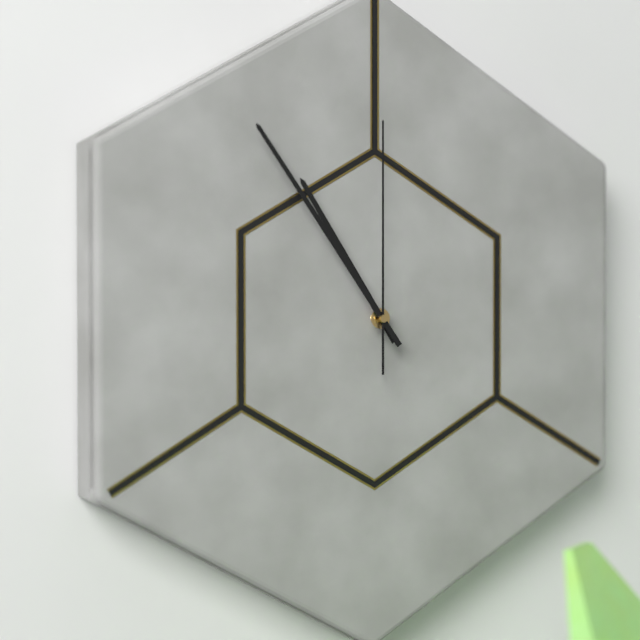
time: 10:54:00
